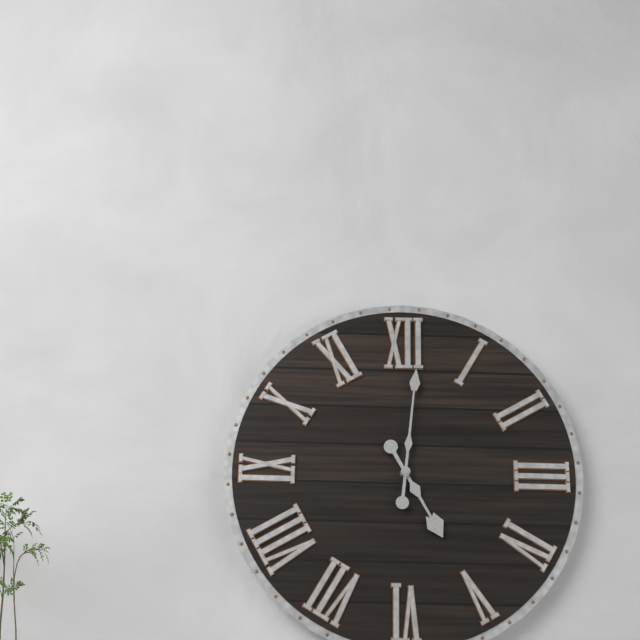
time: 5:01
